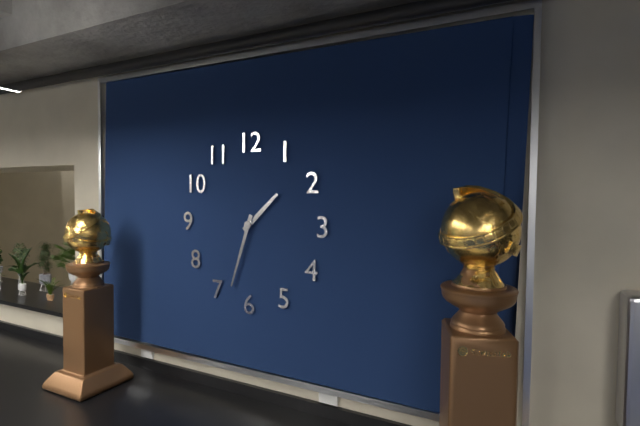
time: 1:33
